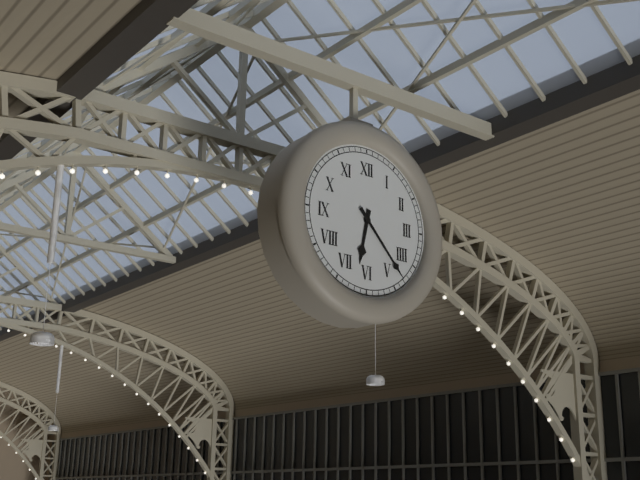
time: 6:23
